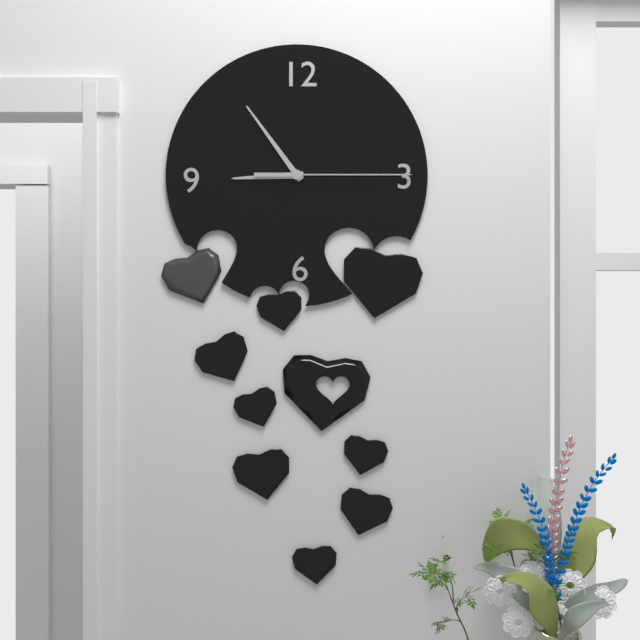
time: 8:54:15
